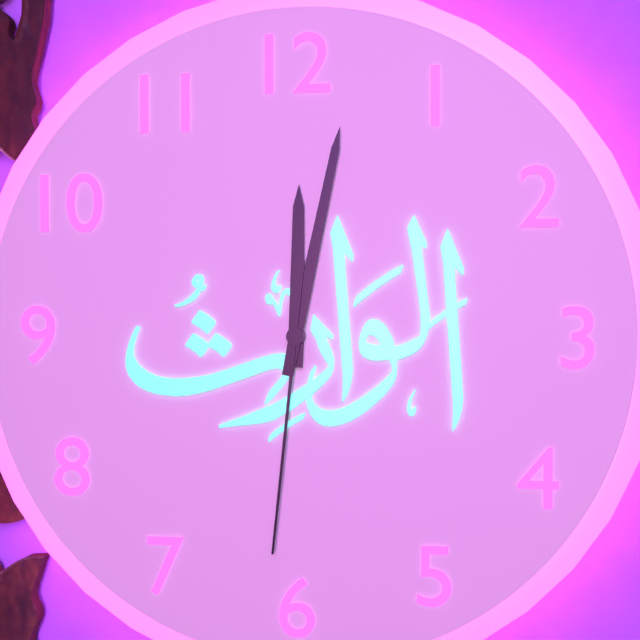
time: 12:02:31
